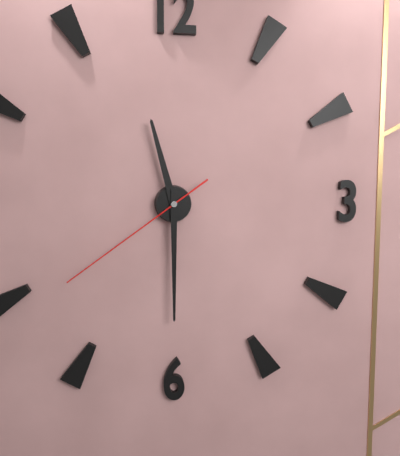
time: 11:30:39
